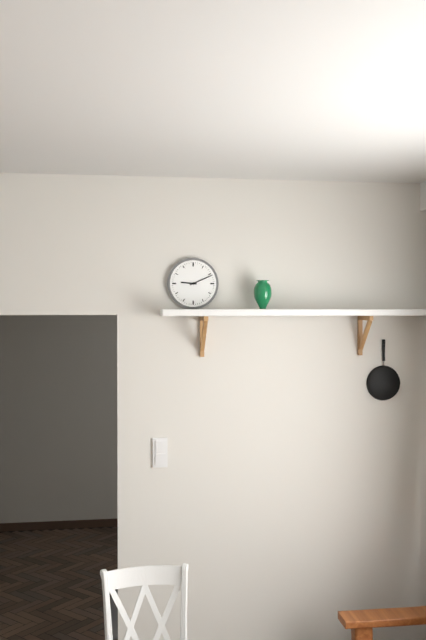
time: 9:11
